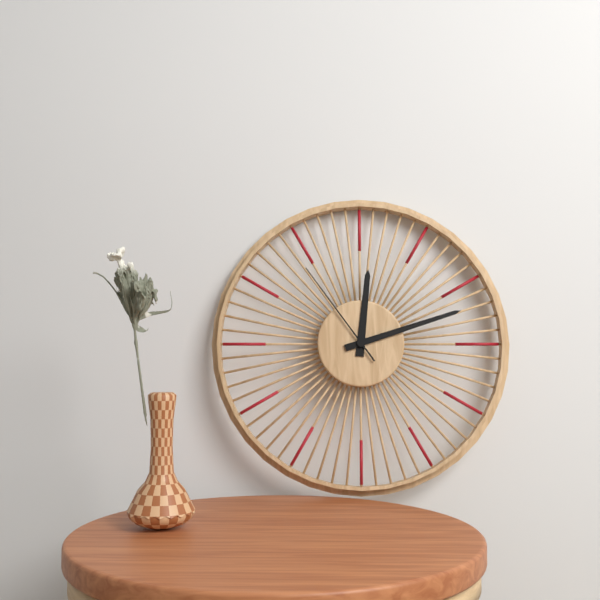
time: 12:12:54
